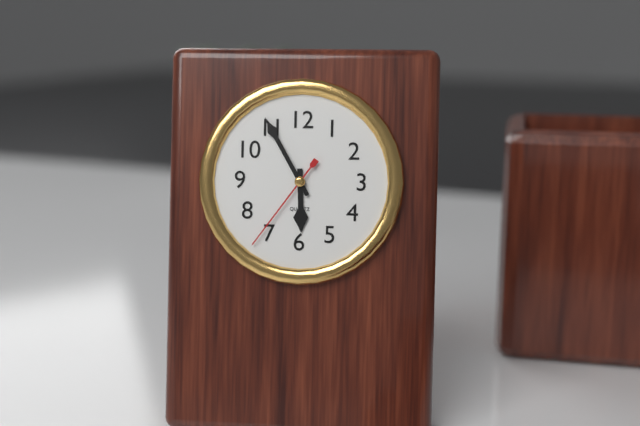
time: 5:55:36
